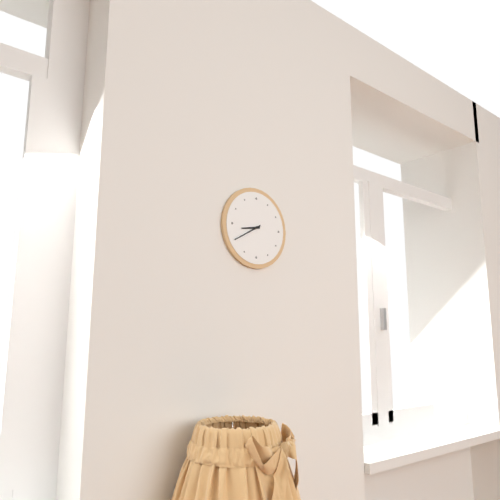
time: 8:40
